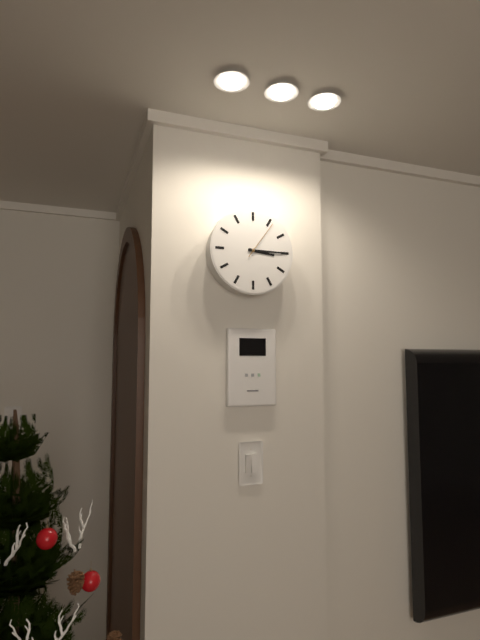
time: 3:15
